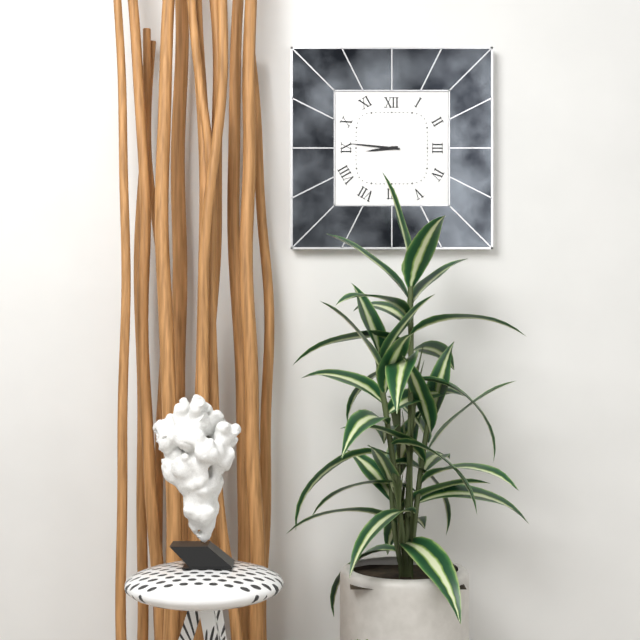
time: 8:46
